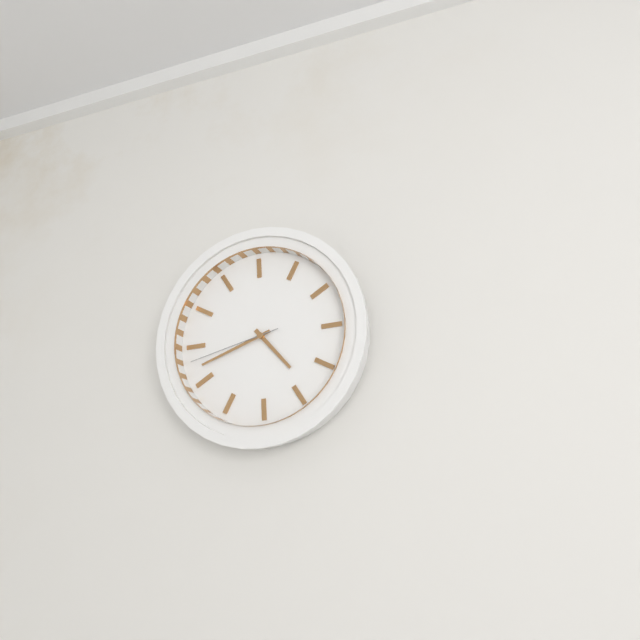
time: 4:42:43
